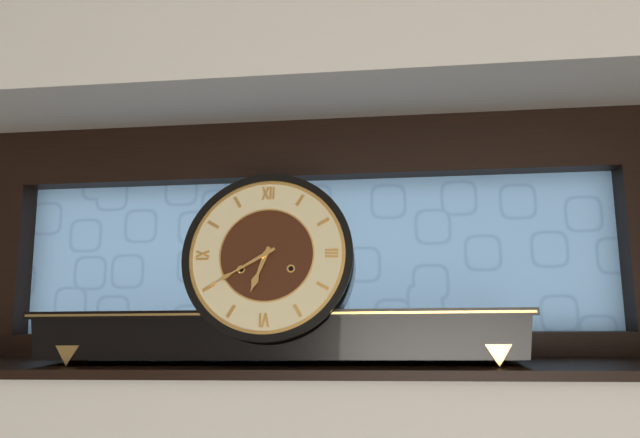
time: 6:40
